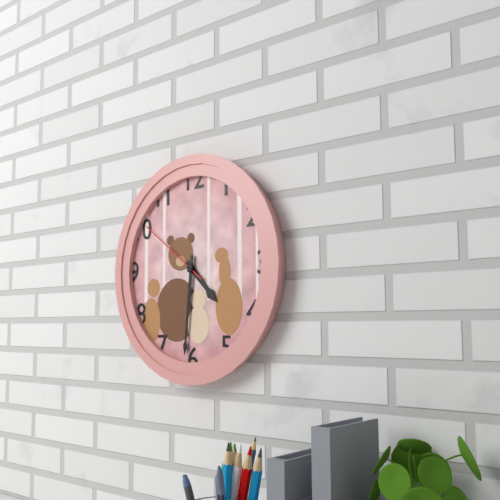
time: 4:31:51
